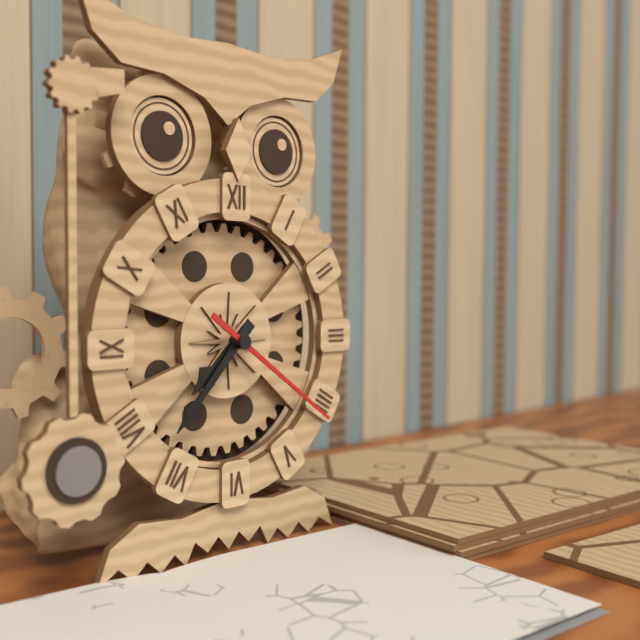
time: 7:37:21
